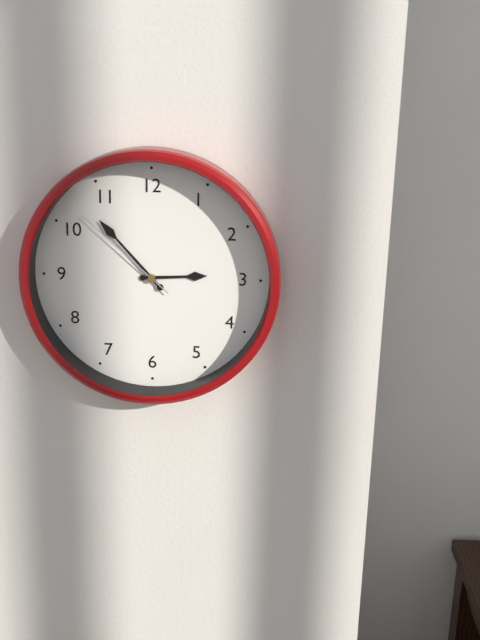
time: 2:53:52
